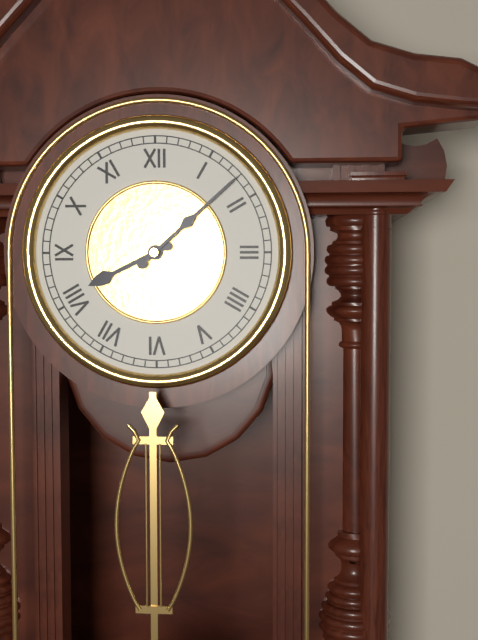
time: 8:08
